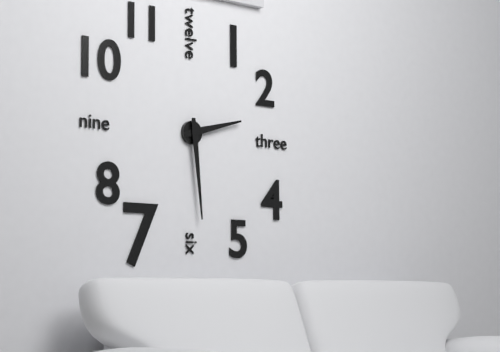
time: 2:29
